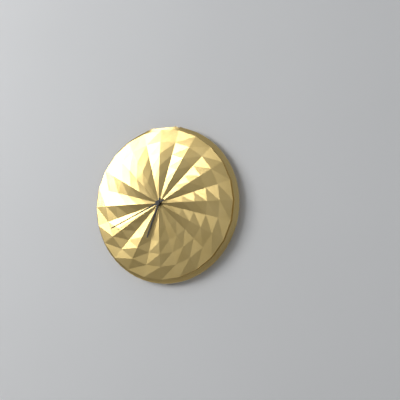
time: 6:41
